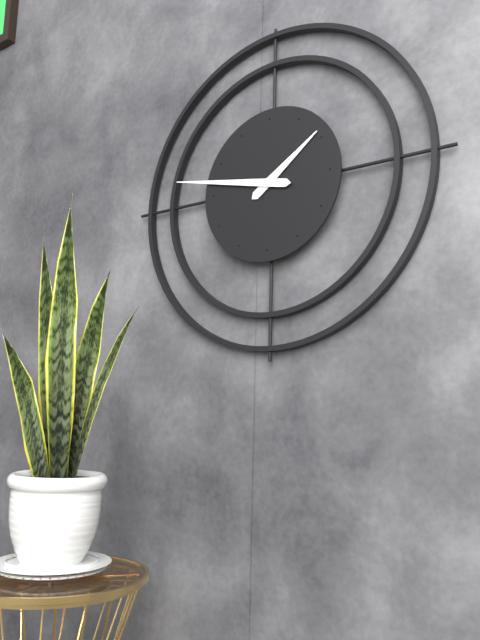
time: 1:47
